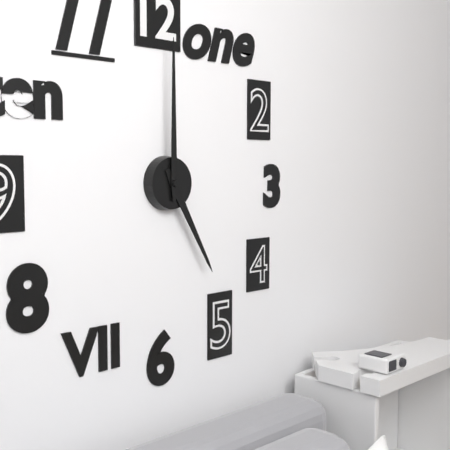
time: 5:00
